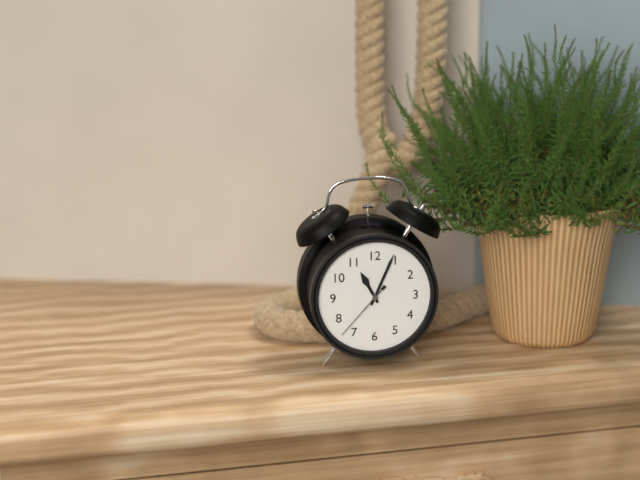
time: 11:04:37
